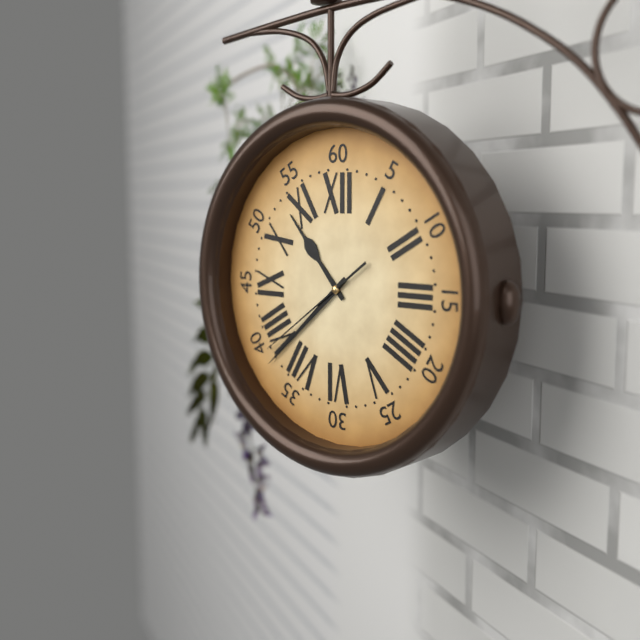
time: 10:38:39
